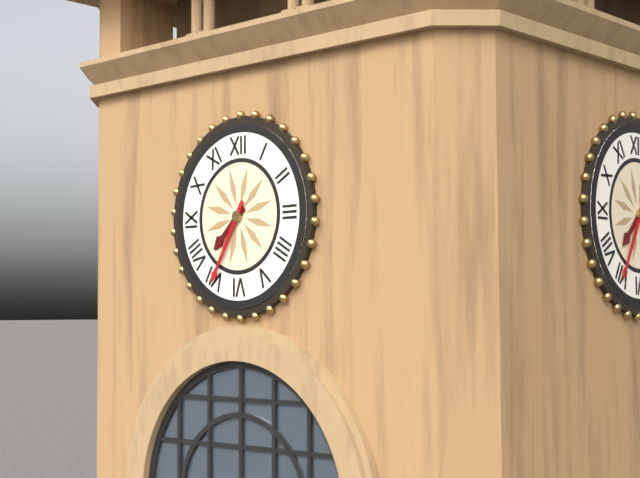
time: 7:35
